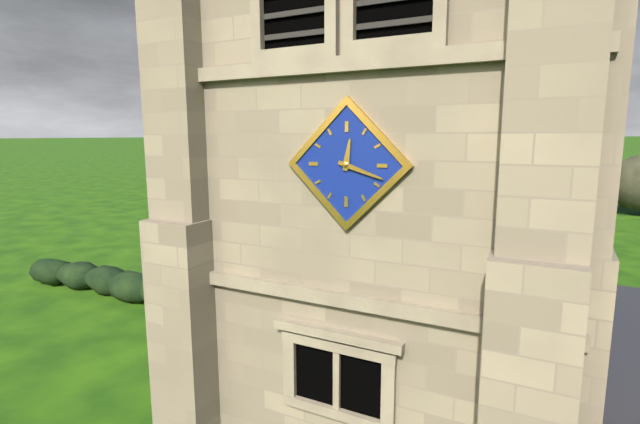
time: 12:18
